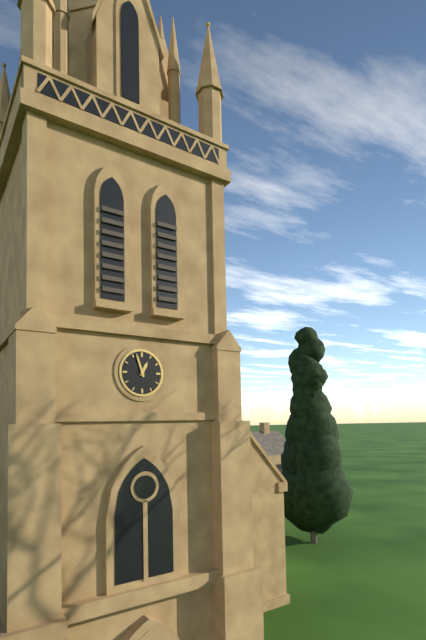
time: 12:57
